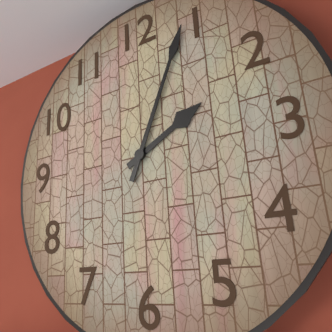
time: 2:04
